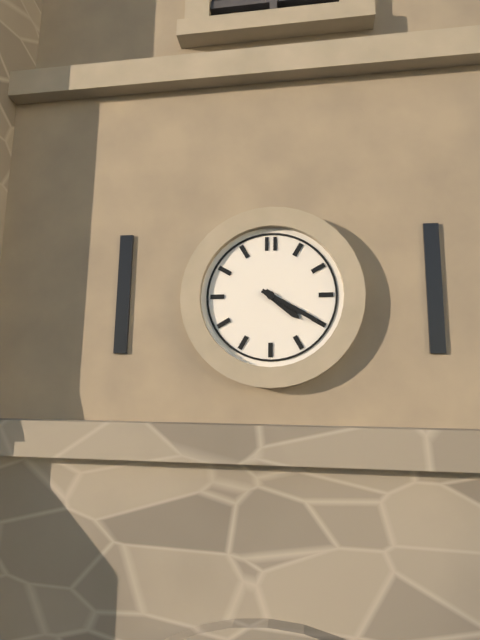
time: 4:20
